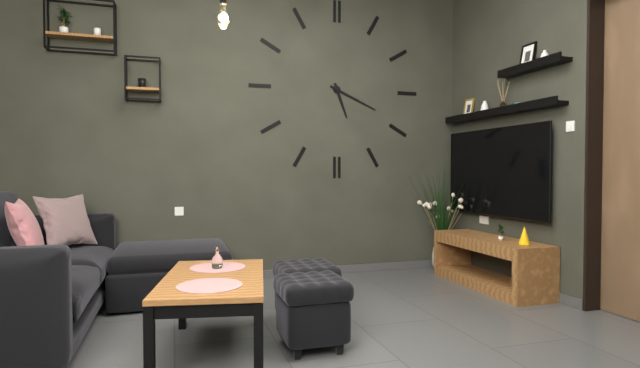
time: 5:19
